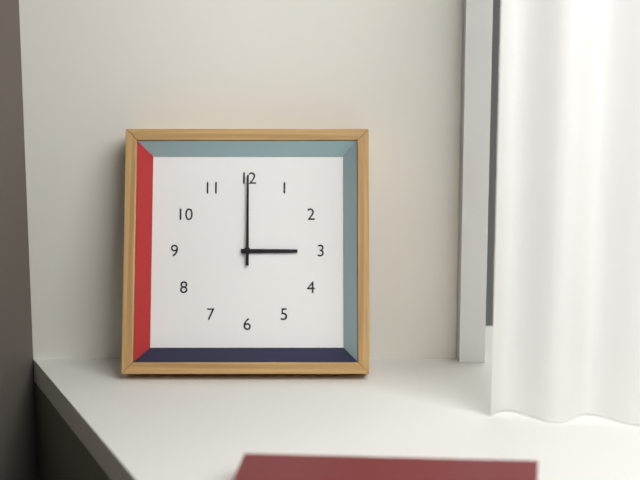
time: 3:00
